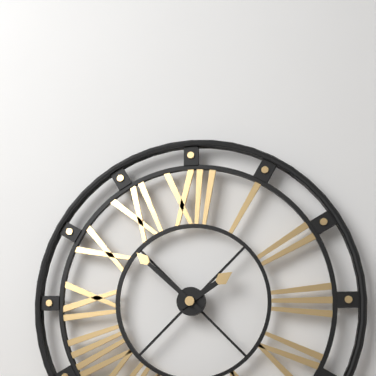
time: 1:52
